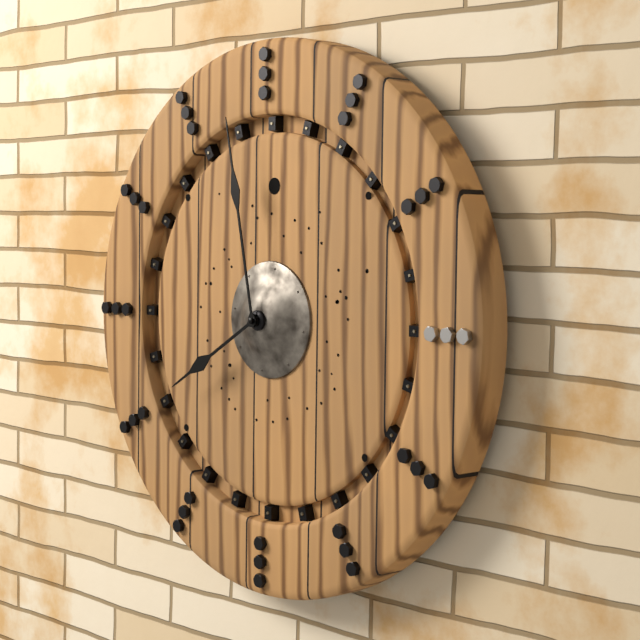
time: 7:58
